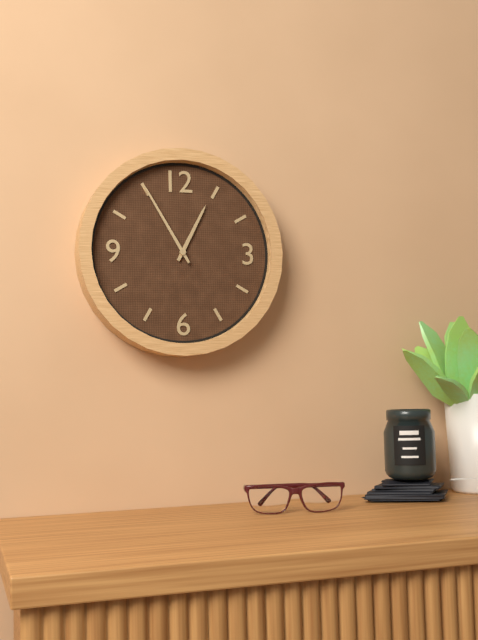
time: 12:55
